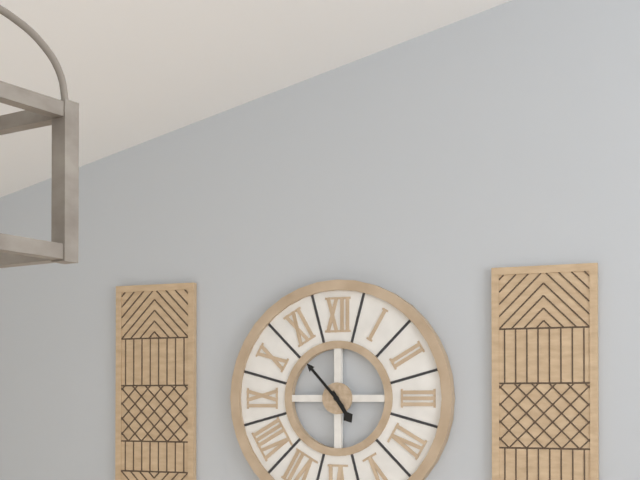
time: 4:53
